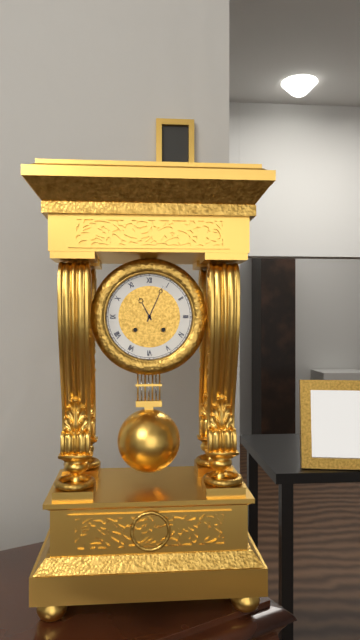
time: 11:04
